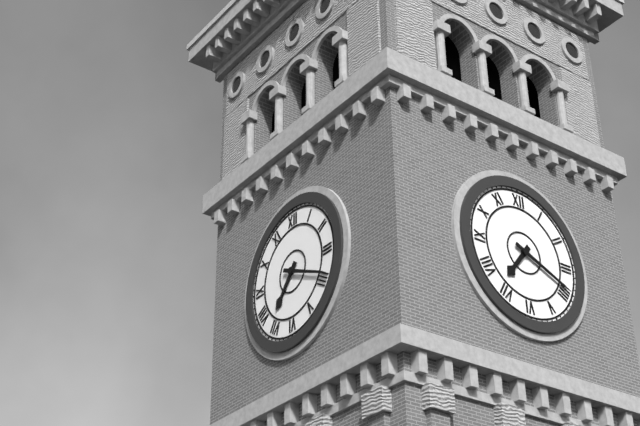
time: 7:19
